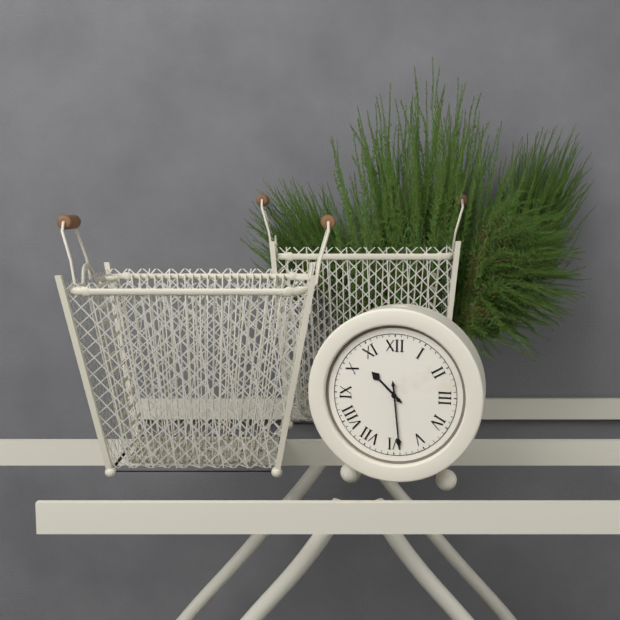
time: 10:29
